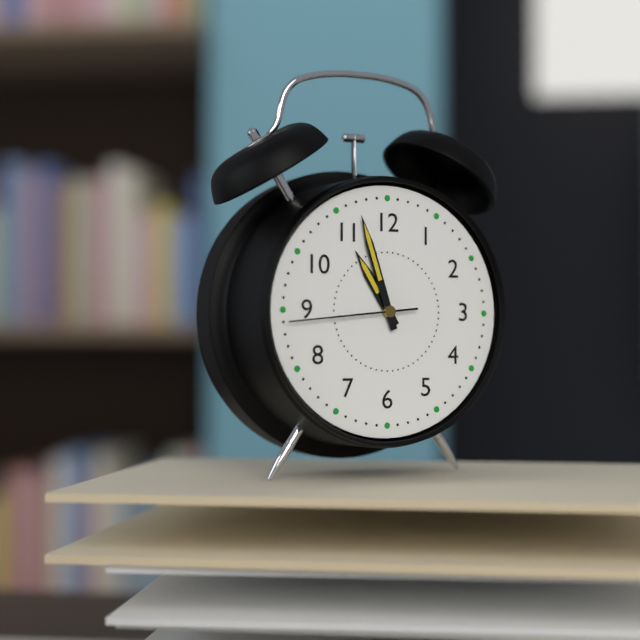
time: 10:57:44
